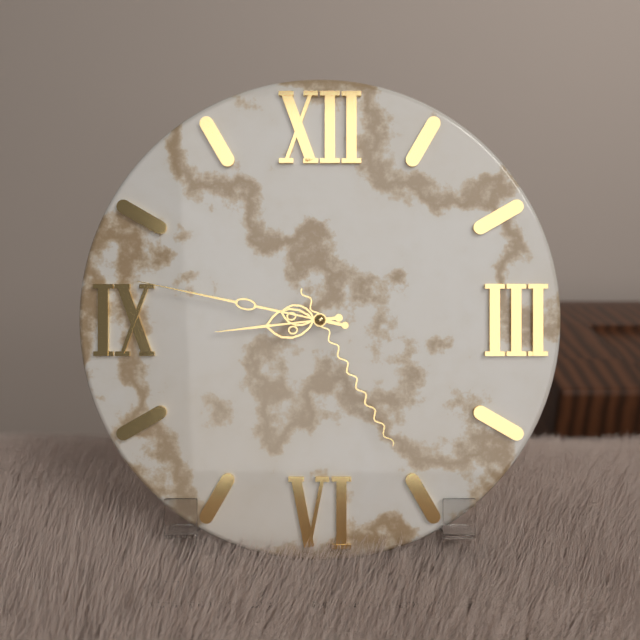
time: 8:47:25
